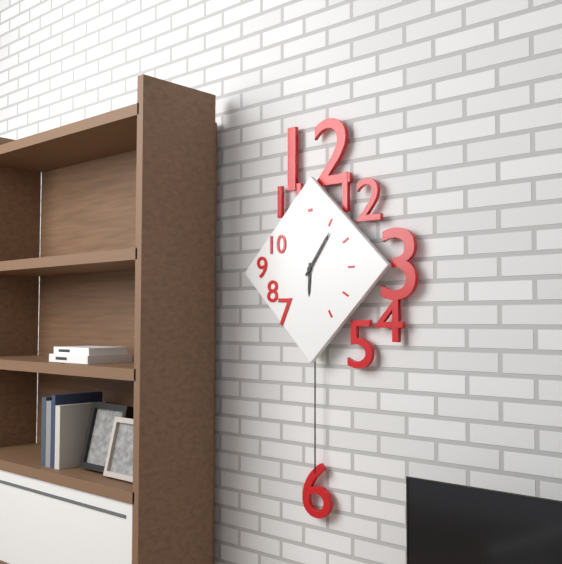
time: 6:06
